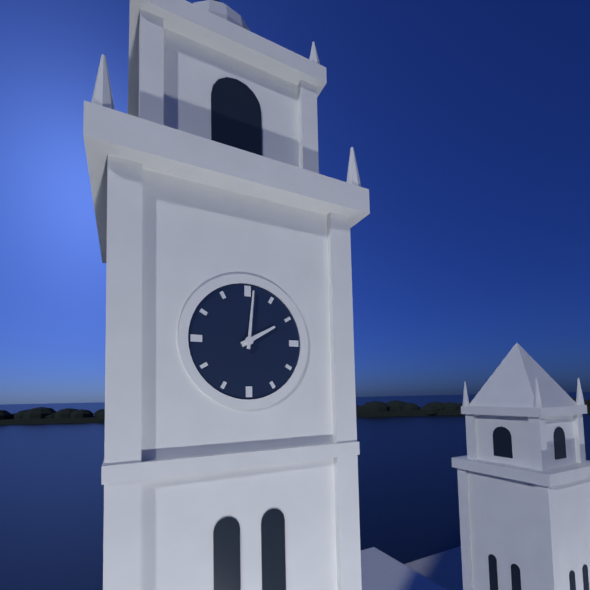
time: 2:01
